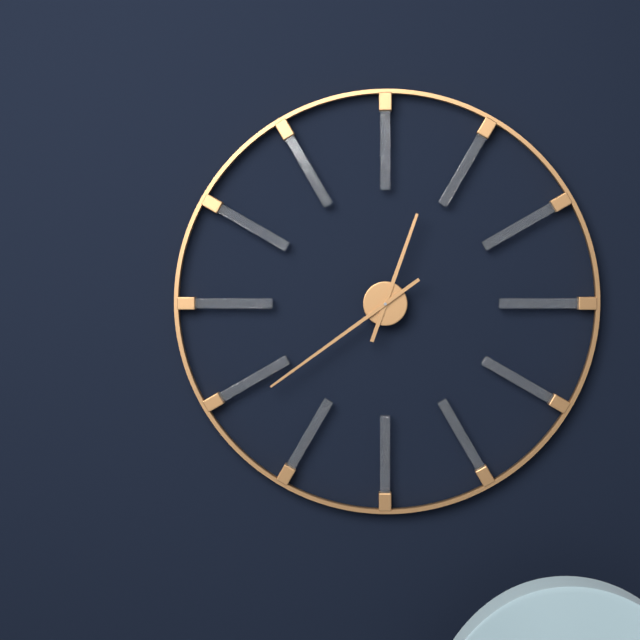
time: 12:39
